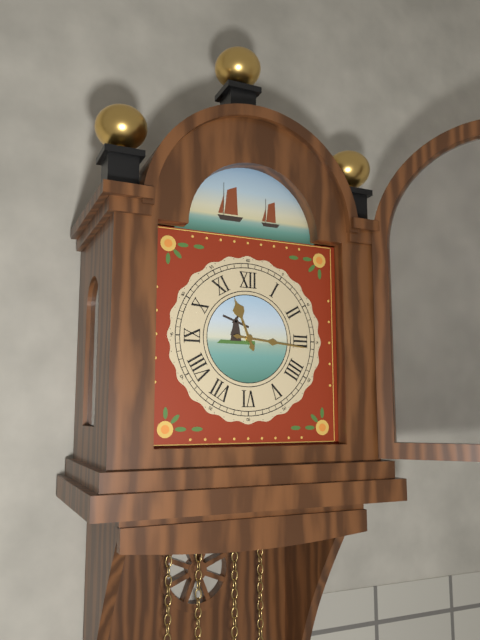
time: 11:16
